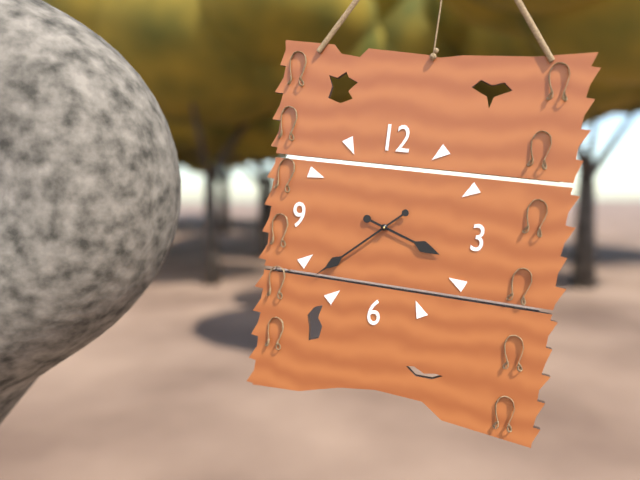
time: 3:38
